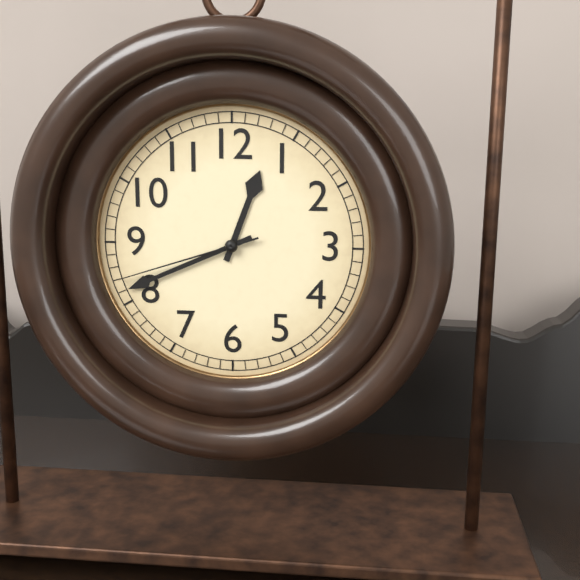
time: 12:41:42
